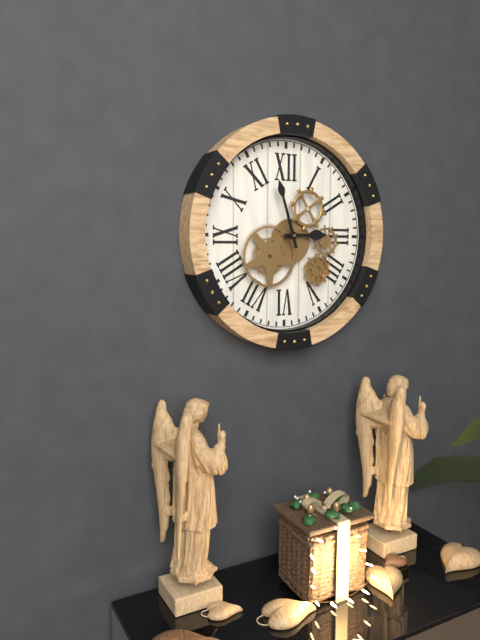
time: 2:57
